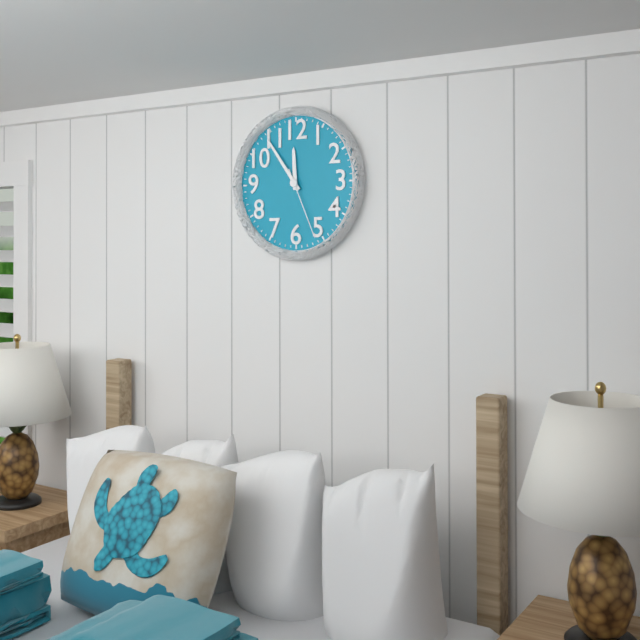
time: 11:54:26
